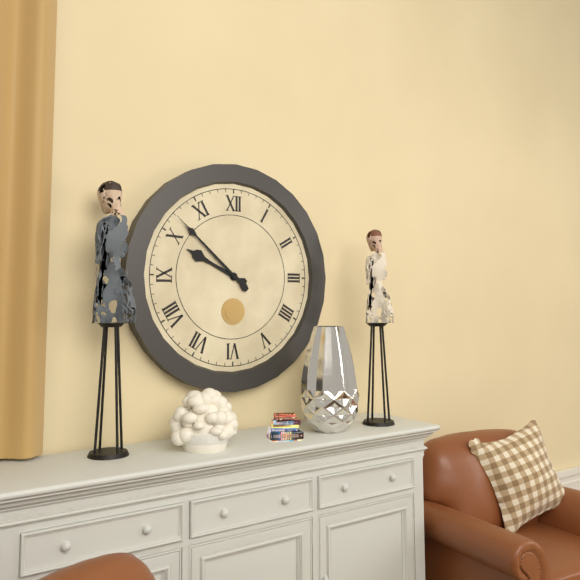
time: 9:52
